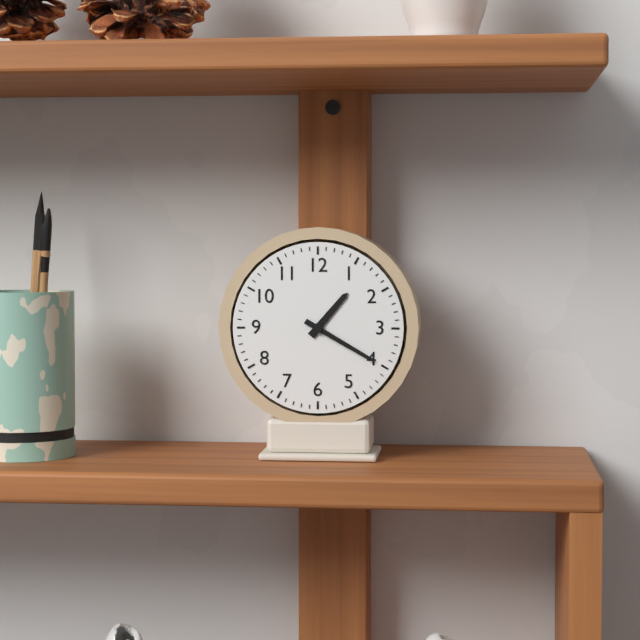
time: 1:20
